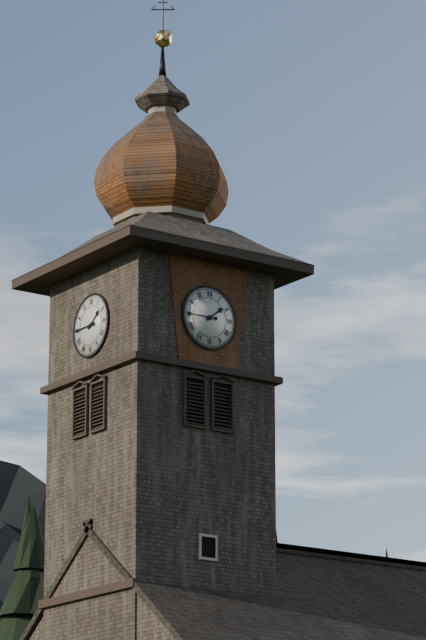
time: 1:45
